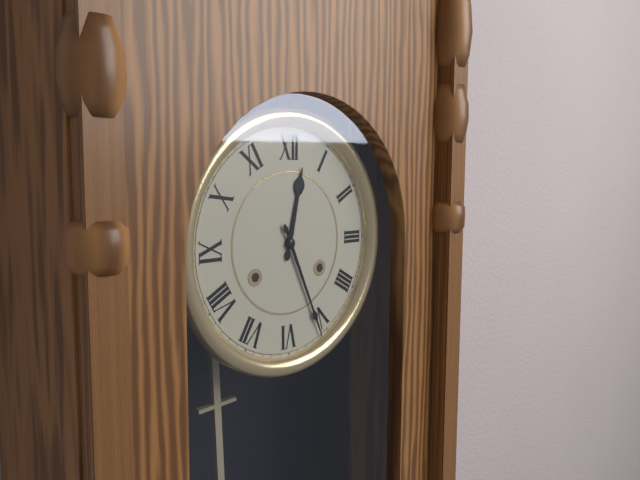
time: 12:26
